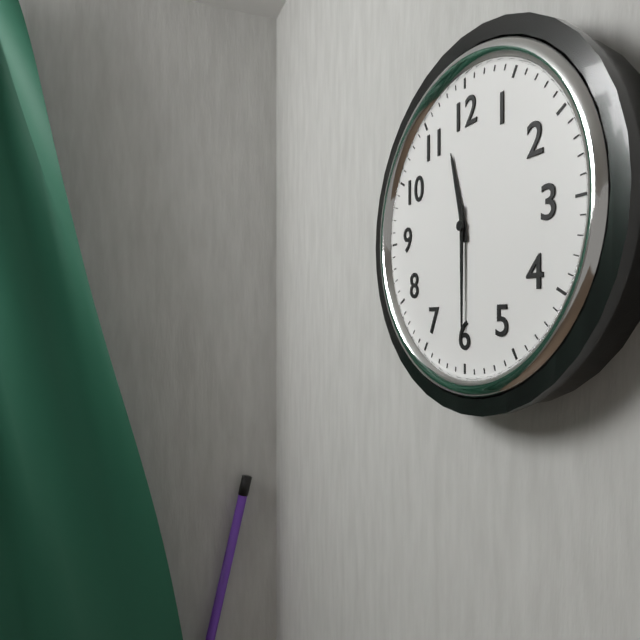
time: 11:30
